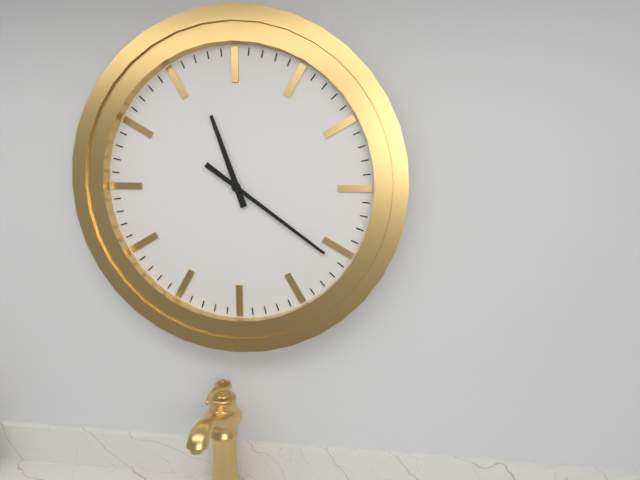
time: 11:21
